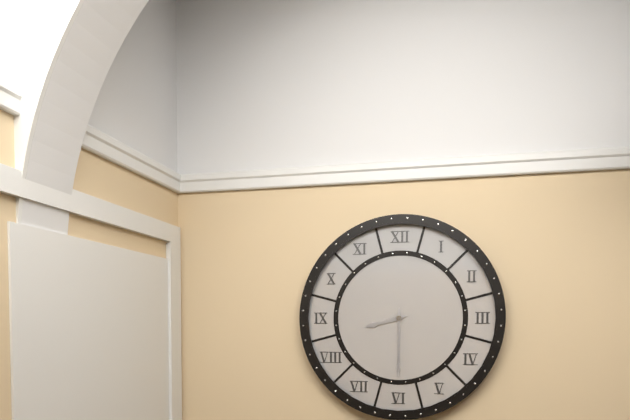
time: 8:30
